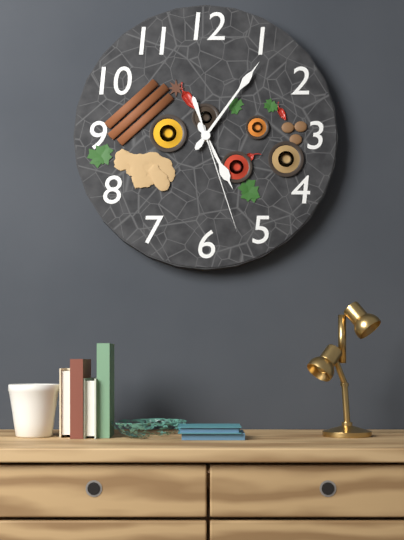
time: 5:06:27
